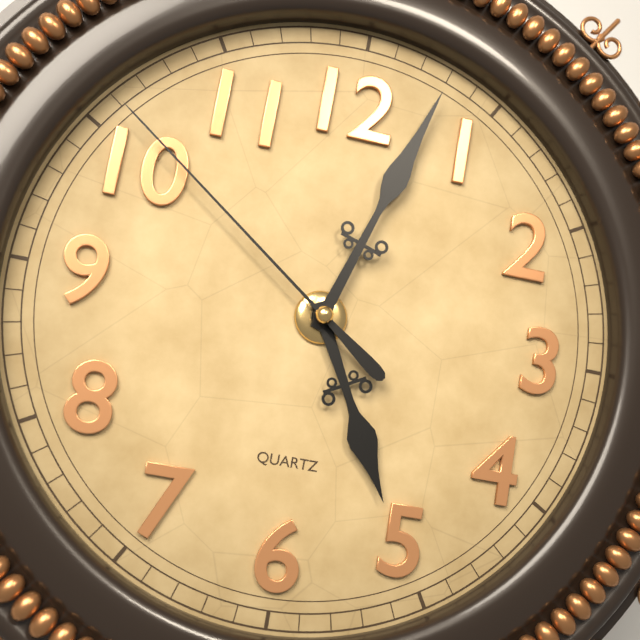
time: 5:03:51
